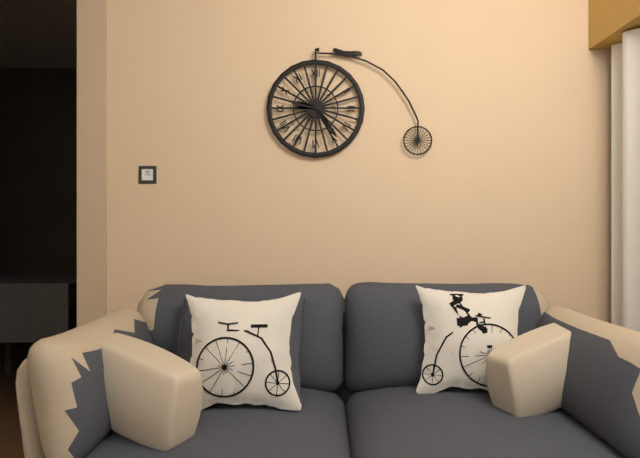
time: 9:24
